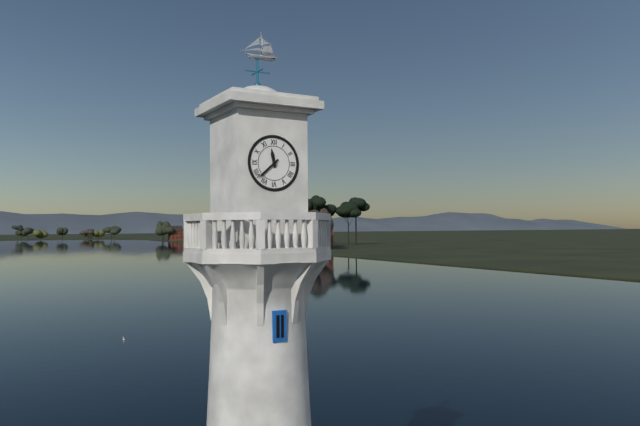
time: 11:38
